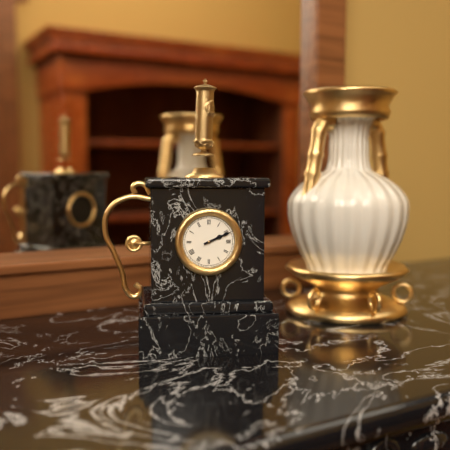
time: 2:11
